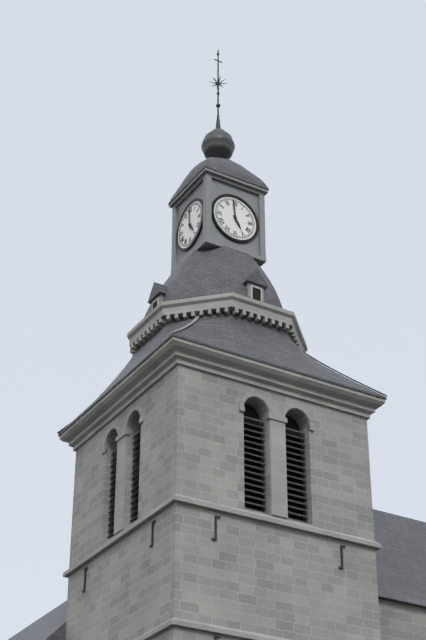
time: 4:59
